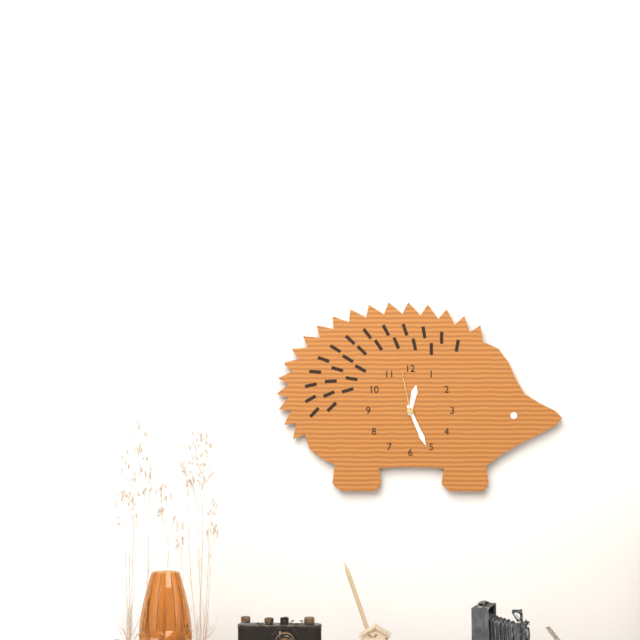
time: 12:26:58
